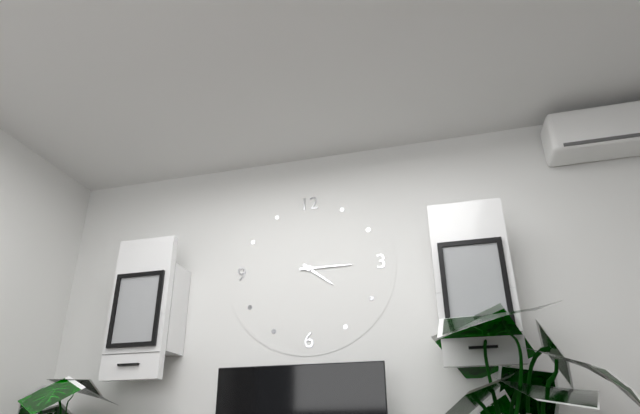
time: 4:15
